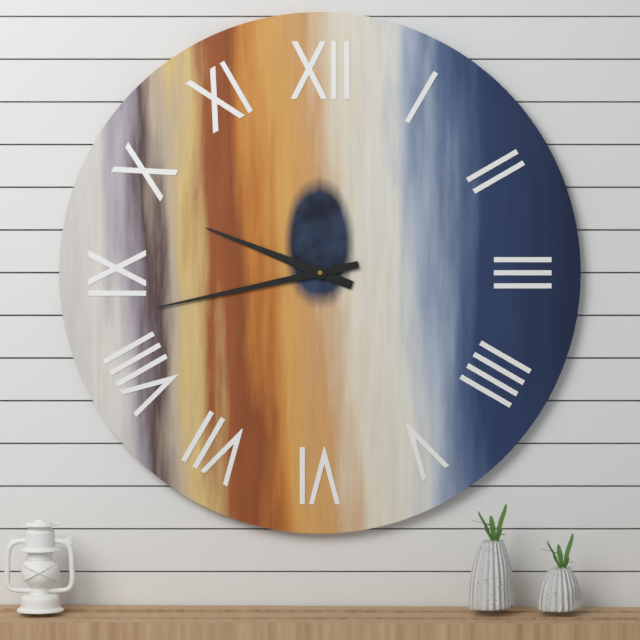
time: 9:43
